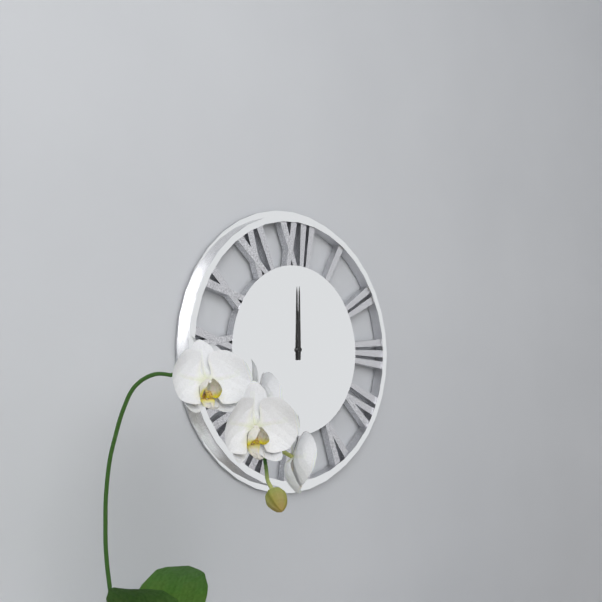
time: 12:00
